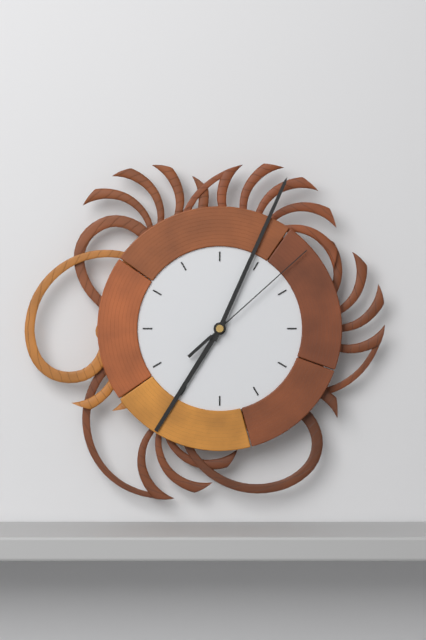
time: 7:04:08
